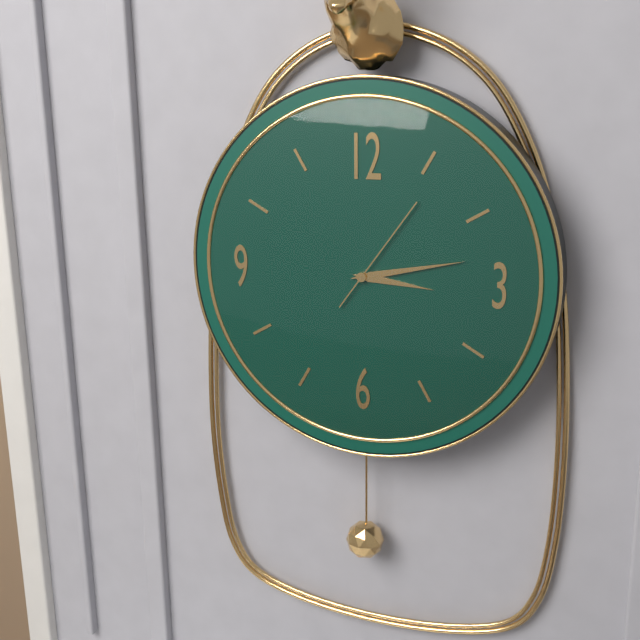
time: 3:13:06
